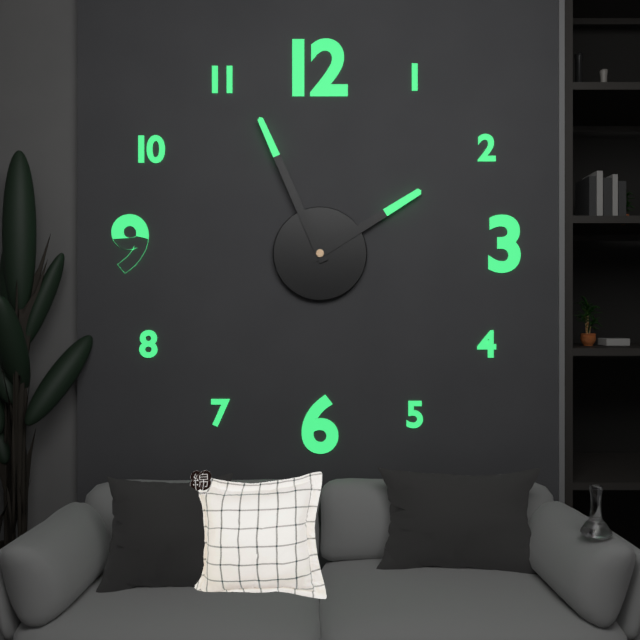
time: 1:56
